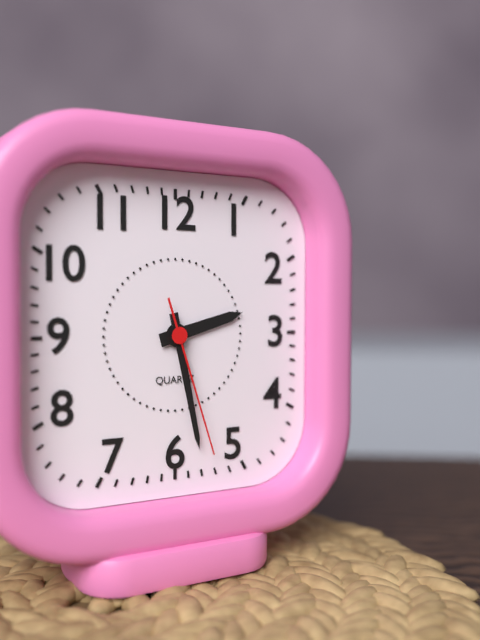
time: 2:28:27
